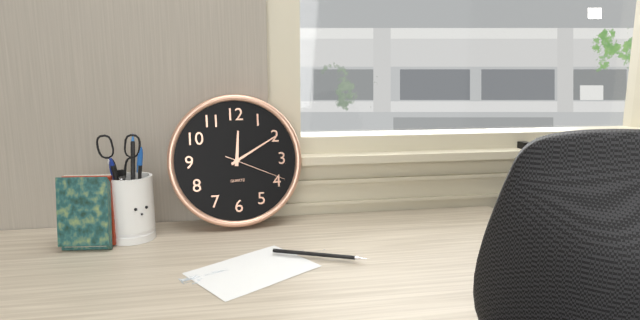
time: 12:10:19
